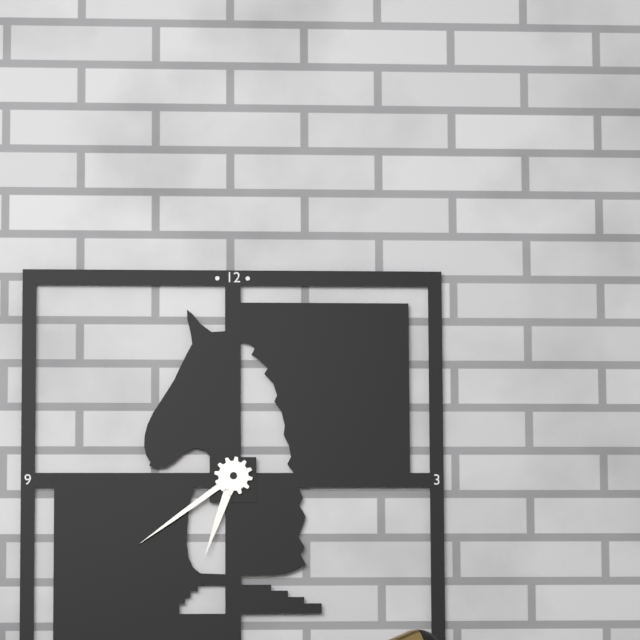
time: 6:39
